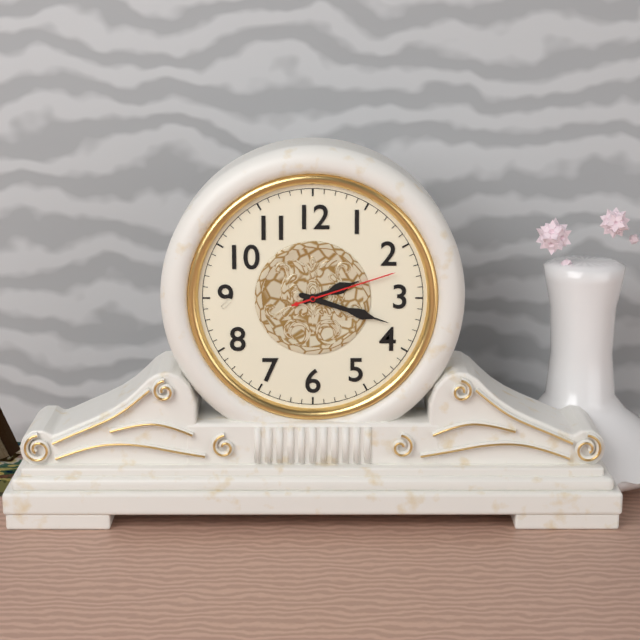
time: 2:18:12
